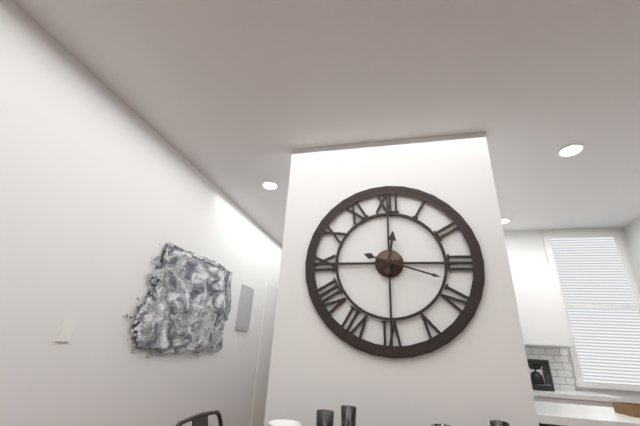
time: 12:18
